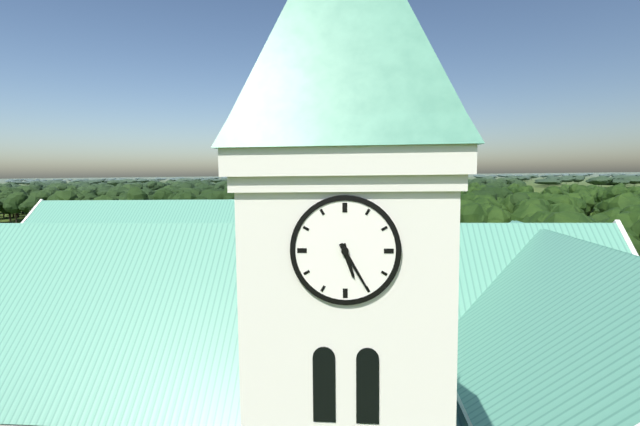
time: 5:25
